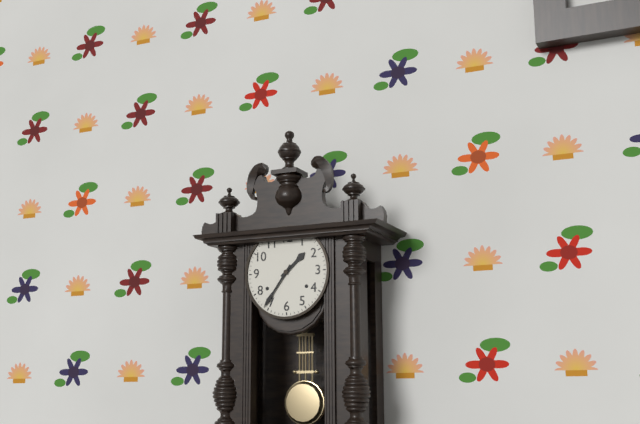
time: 1:36
